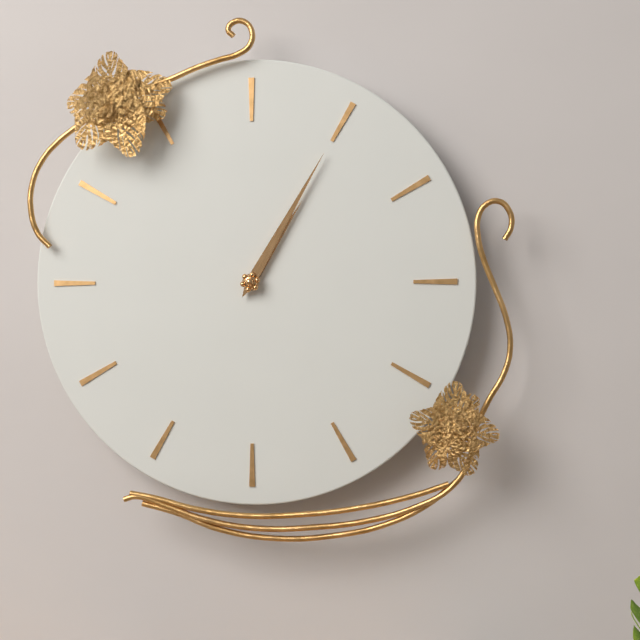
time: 1:05
